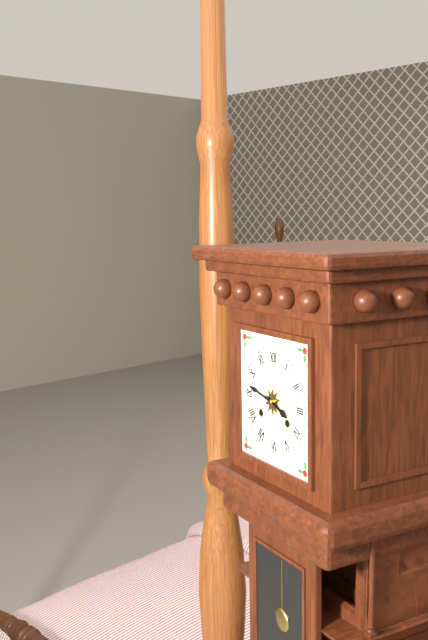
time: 3:47
